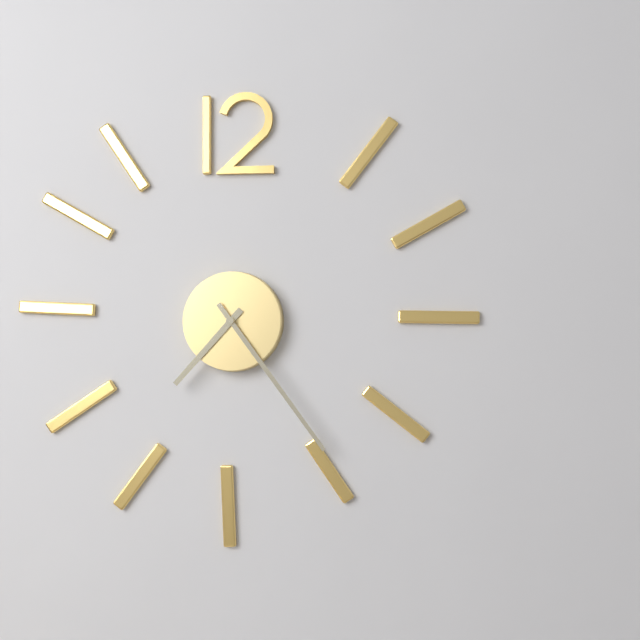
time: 7:24
